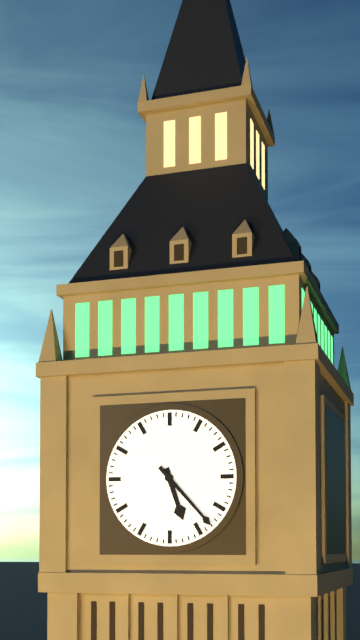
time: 5:23
